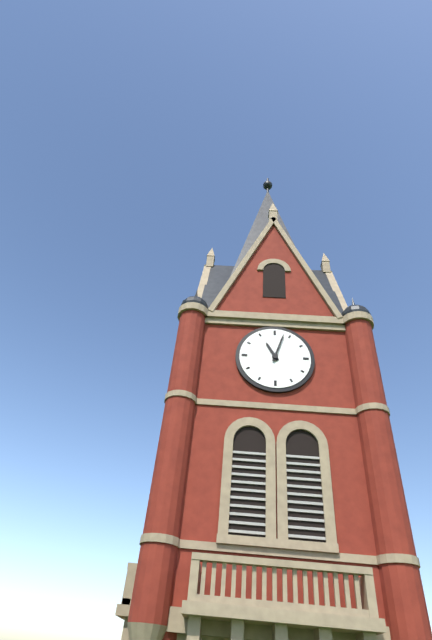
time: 11:03
